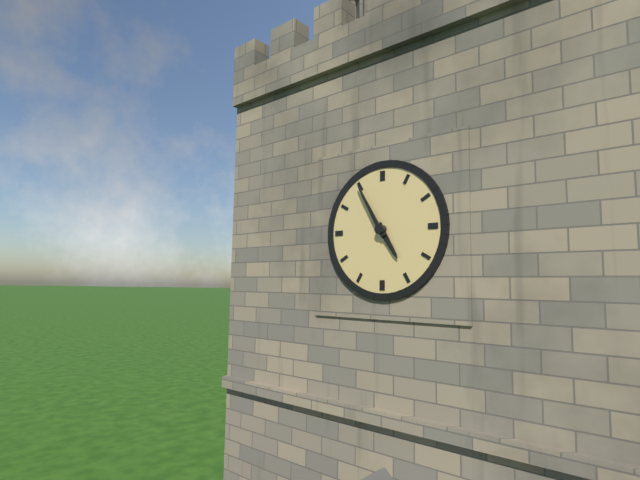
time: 4:55
